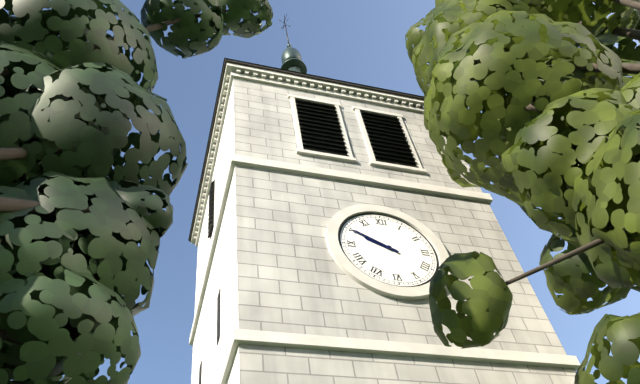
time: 9:50
